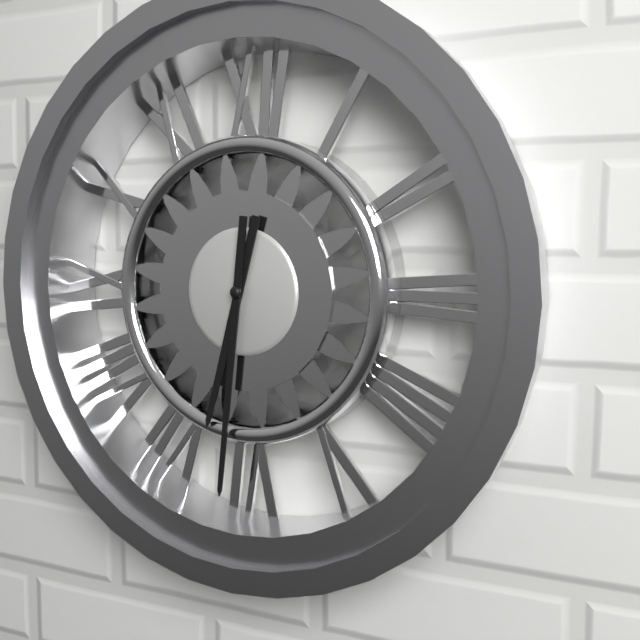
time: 6:31
